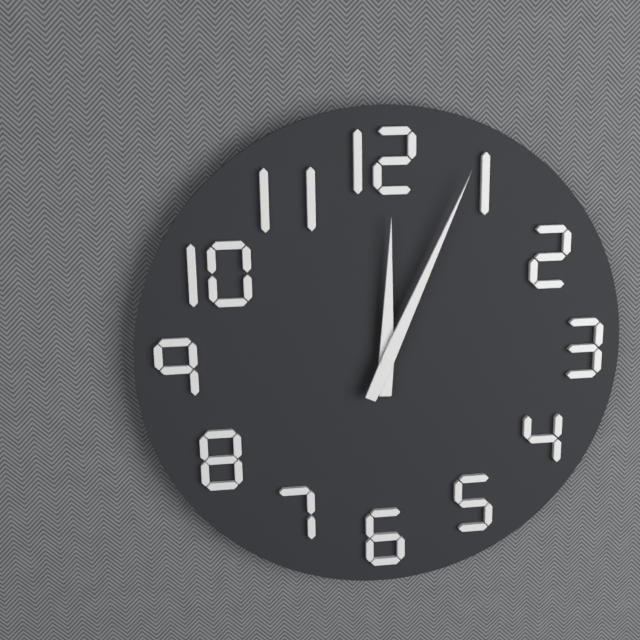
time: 12:04
